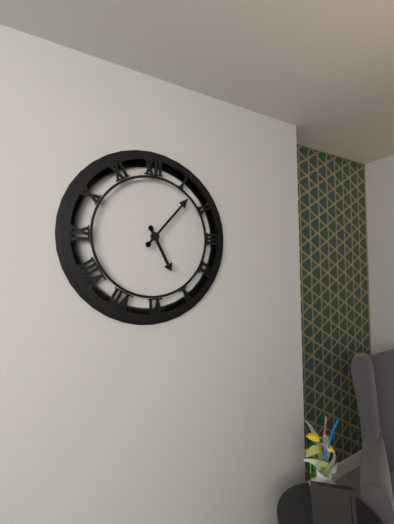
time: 5:07
